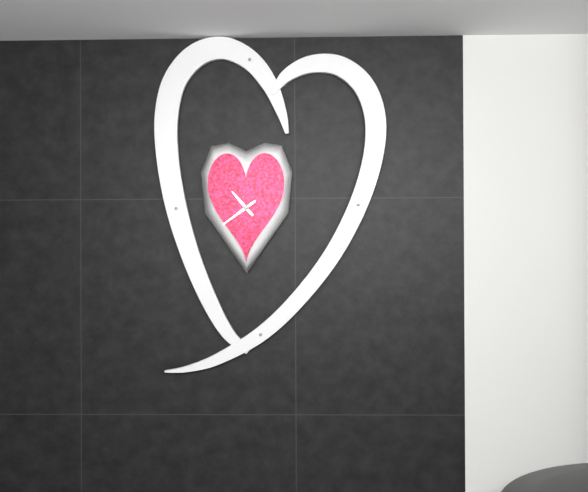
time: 10:39
